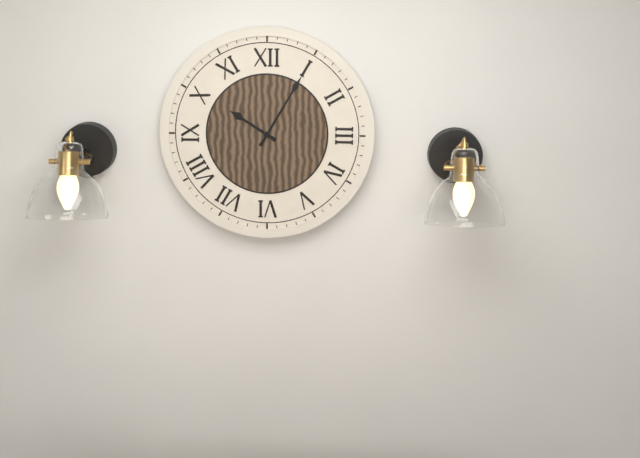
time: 10:05
